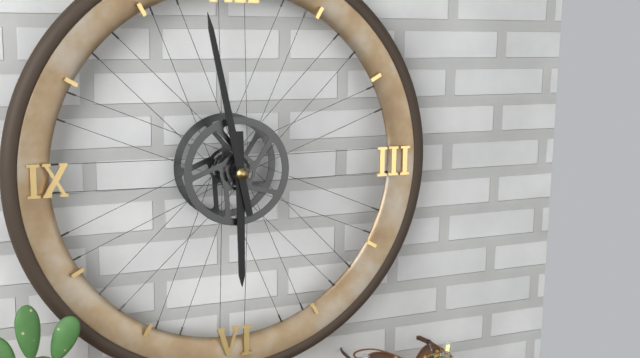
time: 5:58
